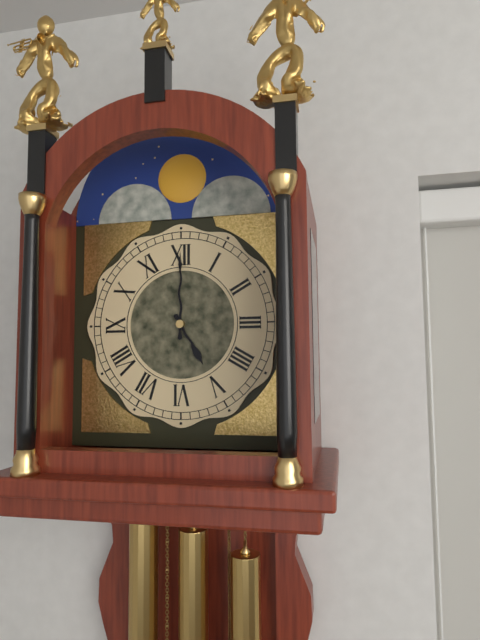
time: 5:00
